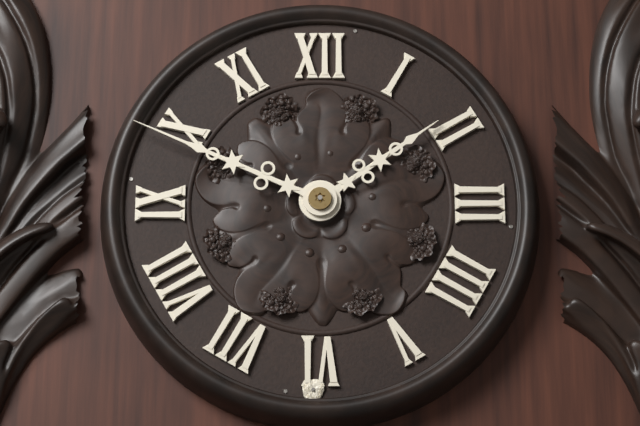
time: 1:49
